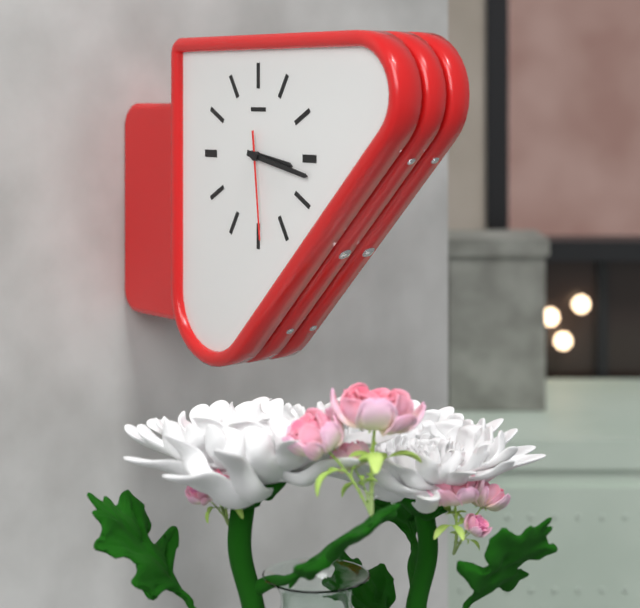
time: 3:17:29
